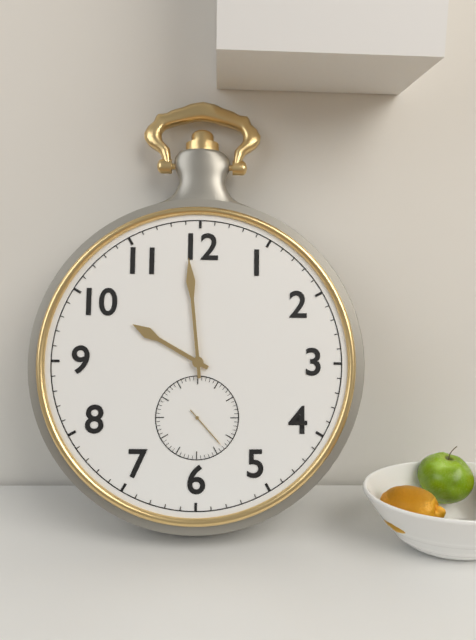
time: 9:59
